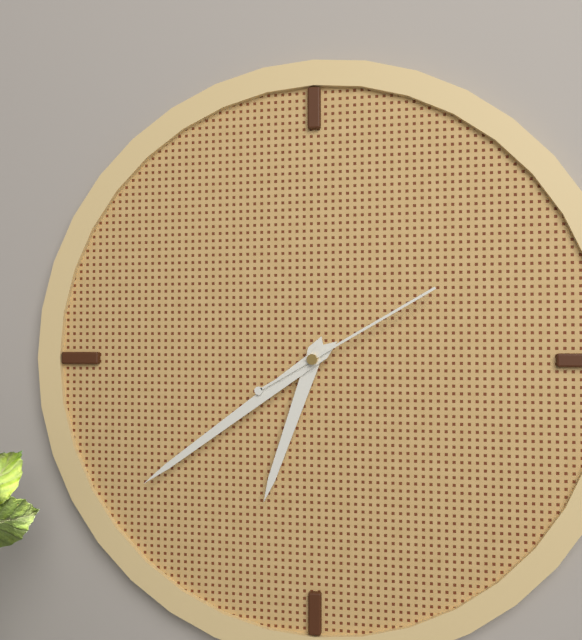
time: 6:39:10
